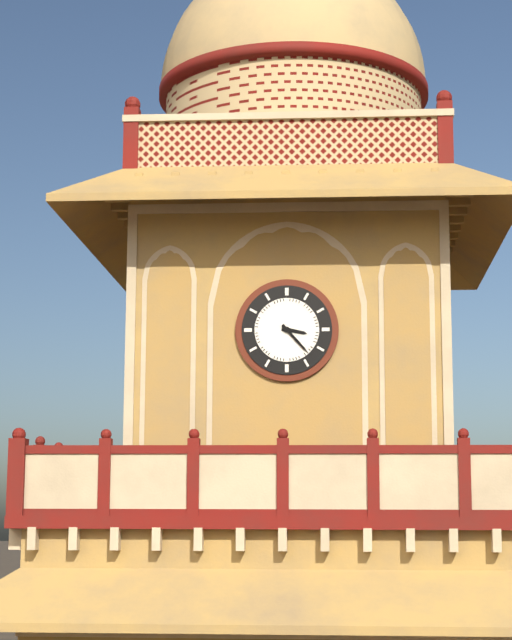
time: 3:23
